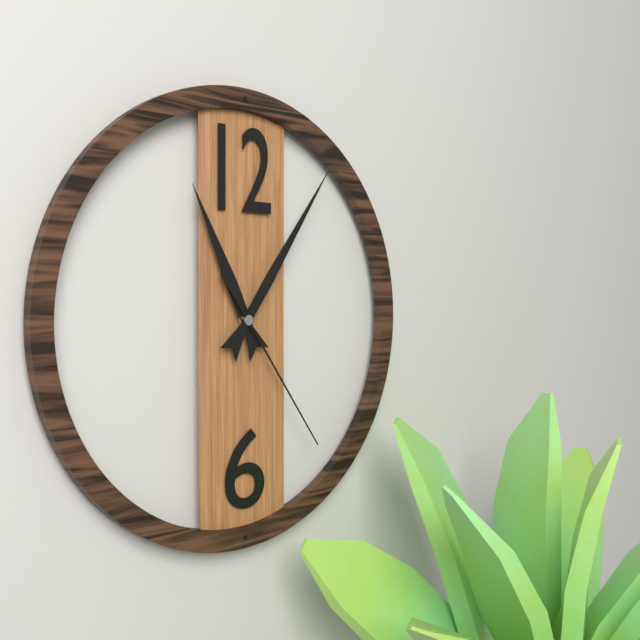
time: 11:06:24
